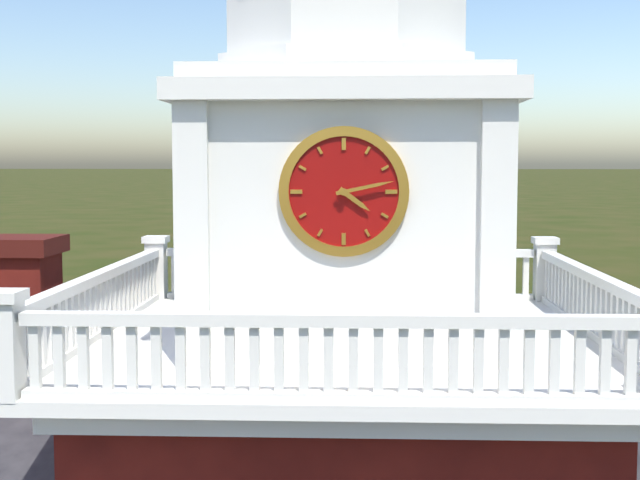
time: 4:13
